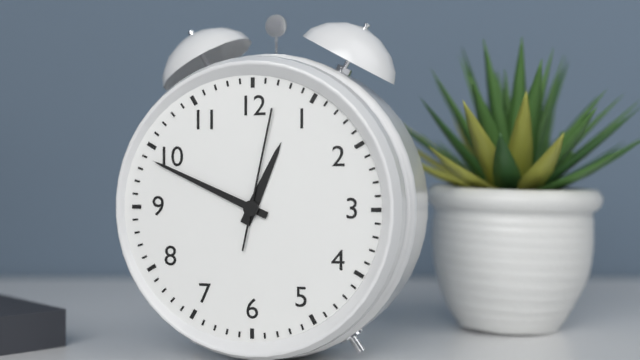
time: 12:49:02
